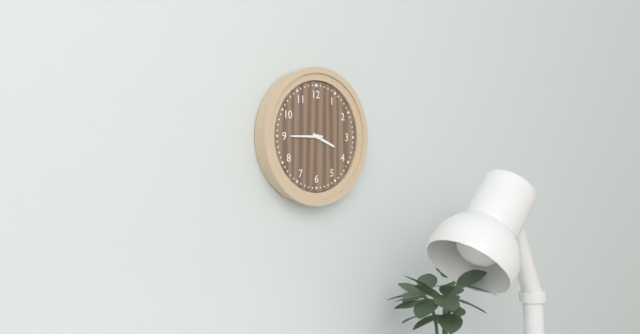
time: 3:45
